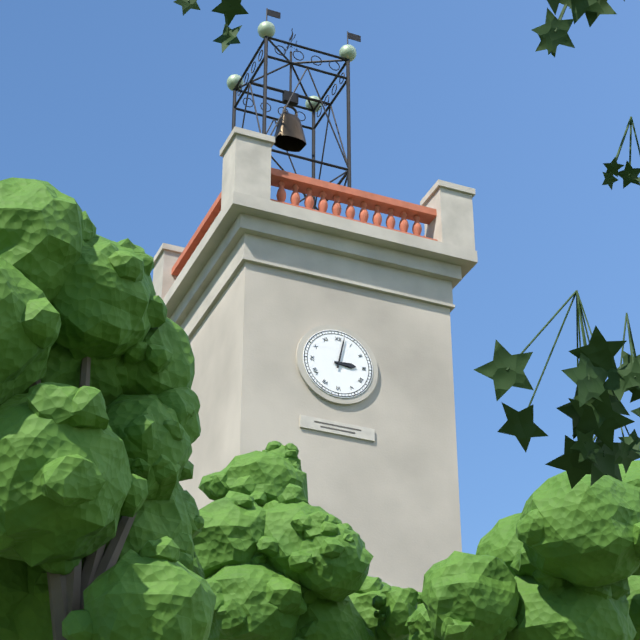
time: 3:02
